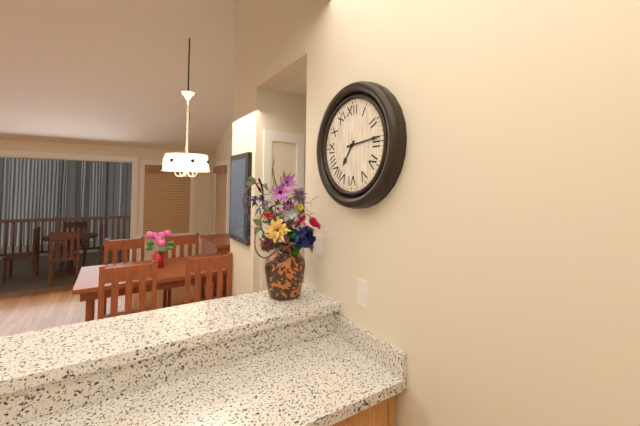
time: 7:14
